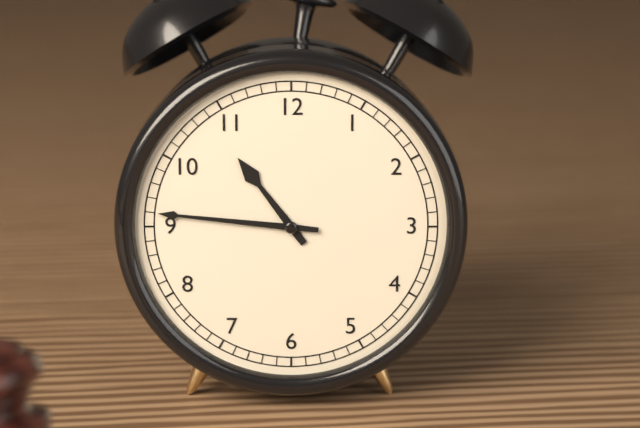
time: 10:46
